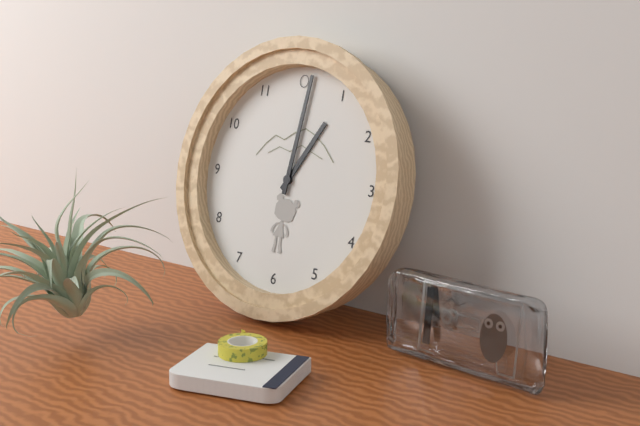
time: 1:01
